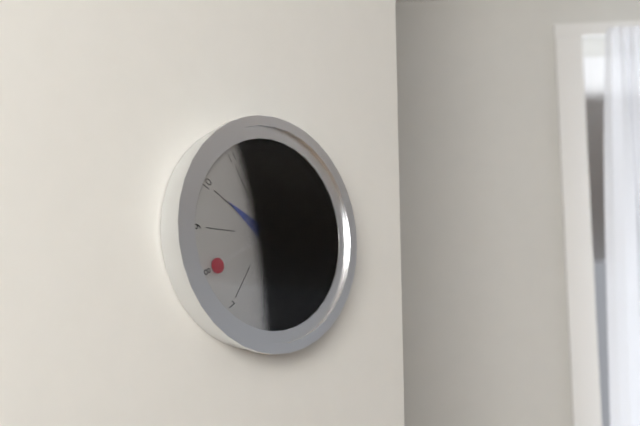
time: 10:02:40
